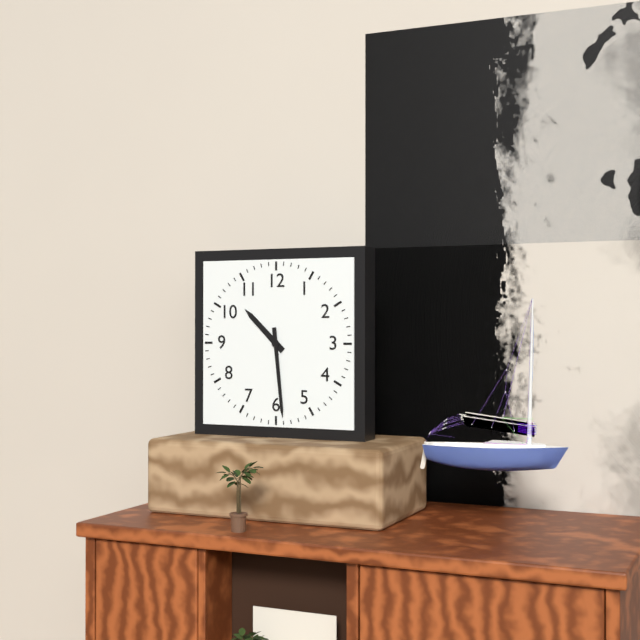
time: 10:29
